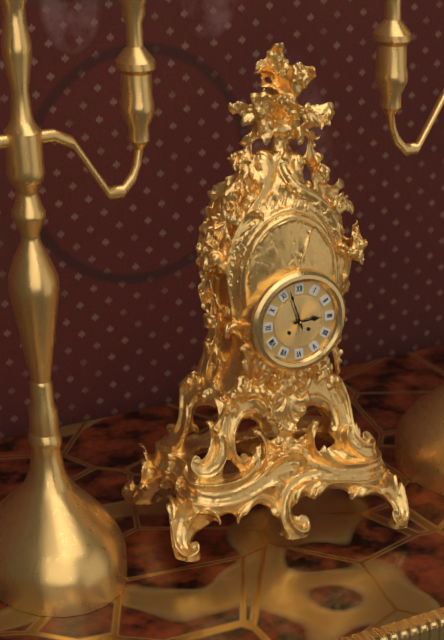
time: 2:57
